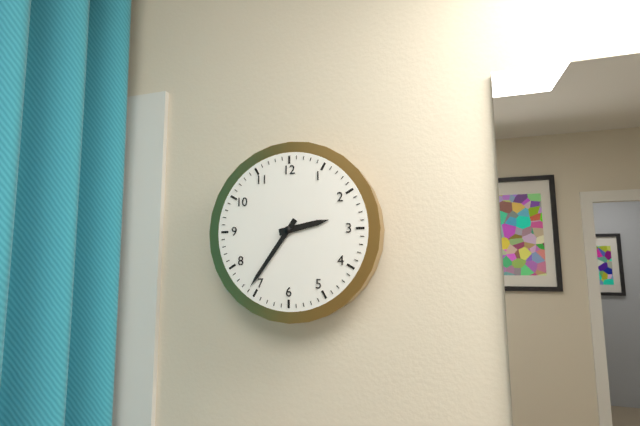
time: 2:36
